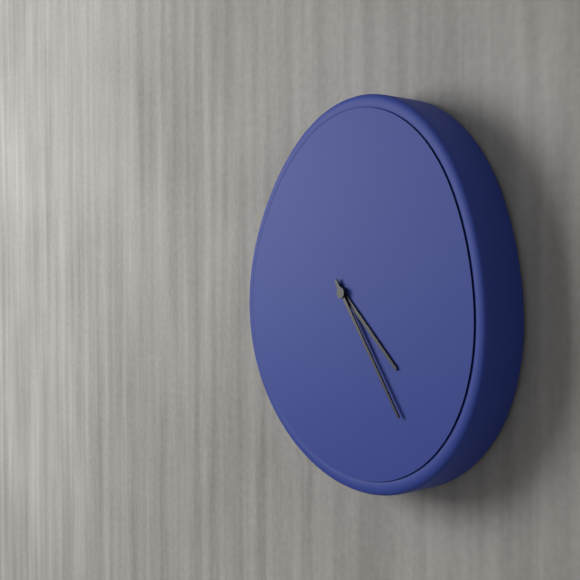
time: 4:24
